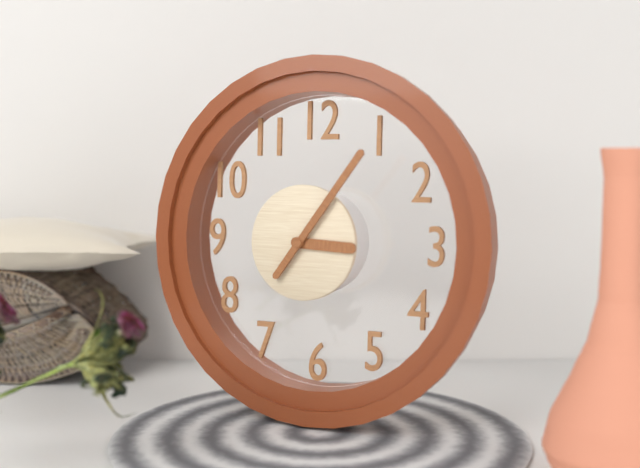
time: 3:06
